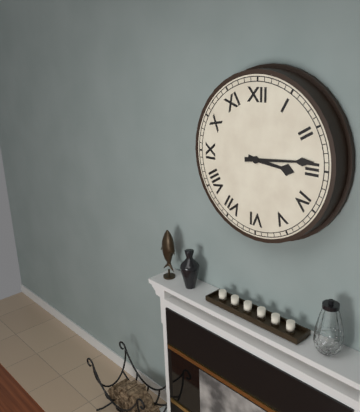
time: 3:14
